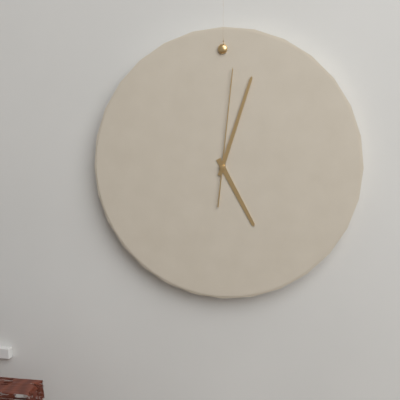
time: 5:03:01
